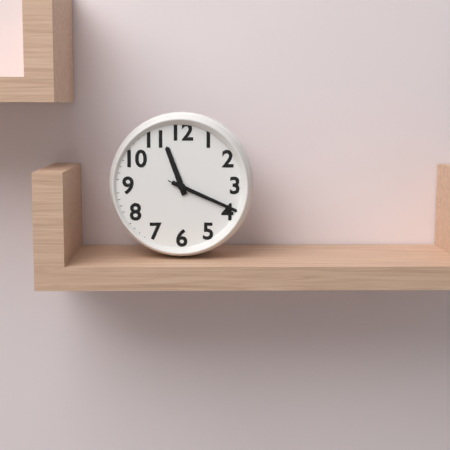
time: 11:19:19
